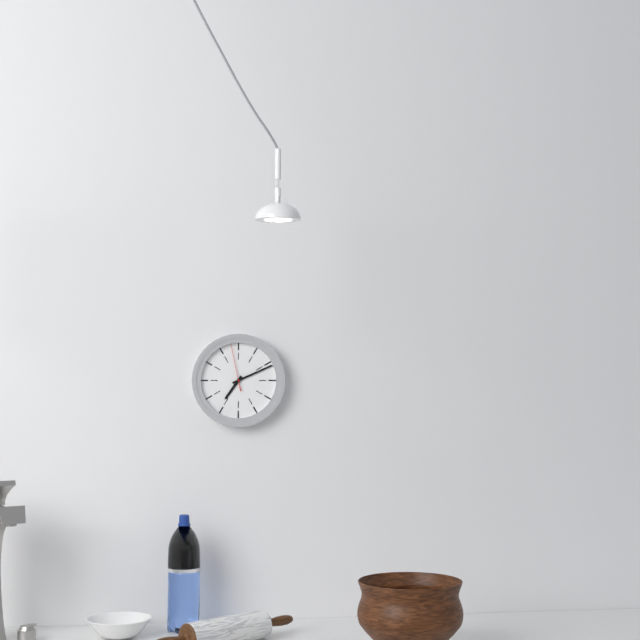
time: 7:11
